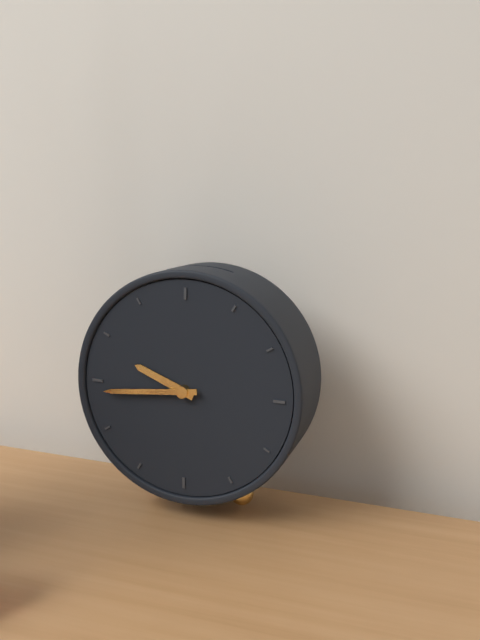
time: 9:44
